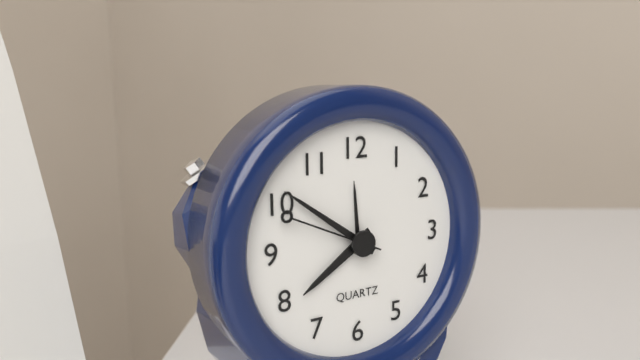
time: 7:51:49
